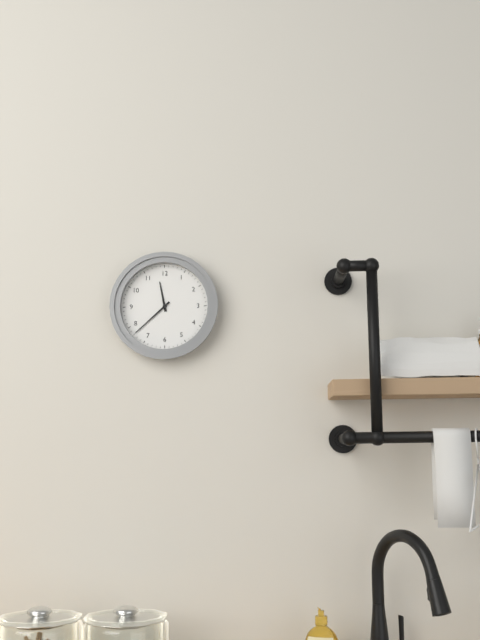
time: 11:38
